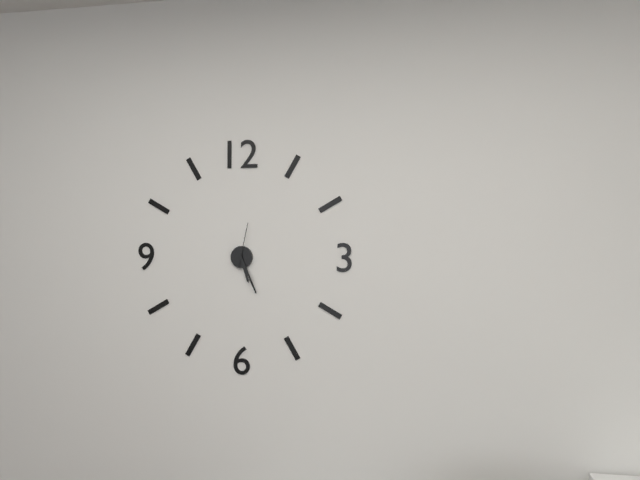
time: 5:26
